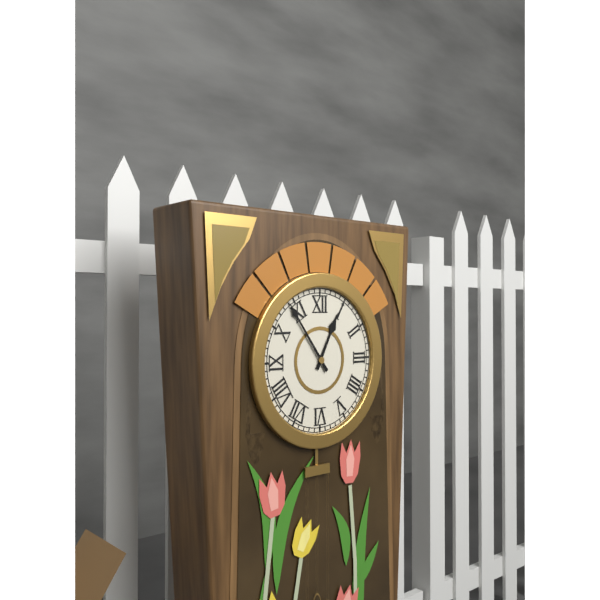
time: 12:54
